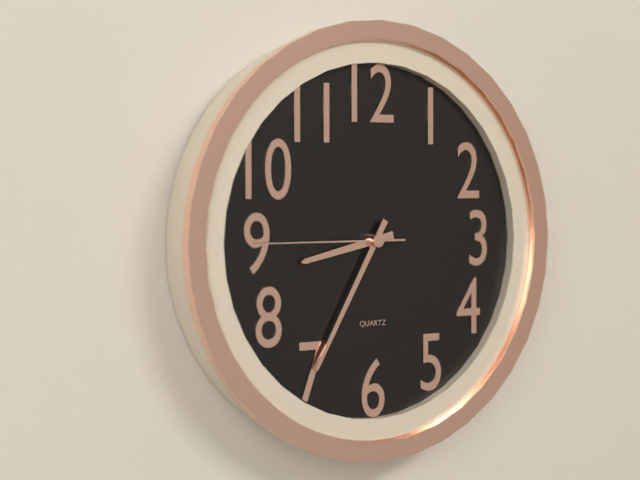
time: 8:35:45
